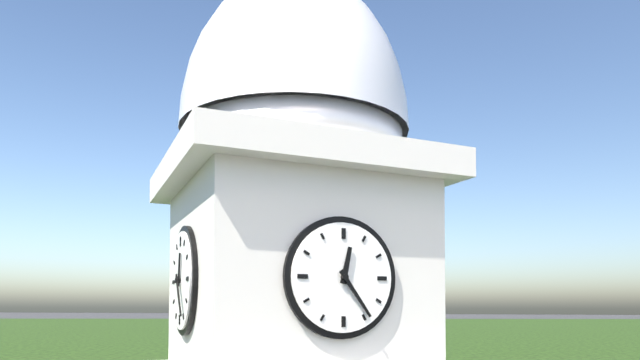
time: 12:24
